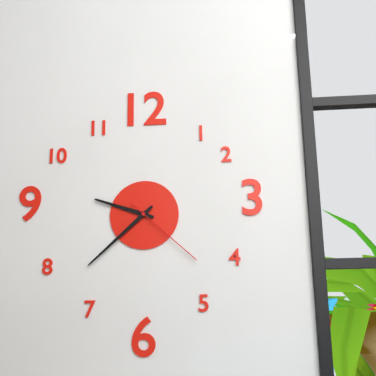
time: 9:38:22
